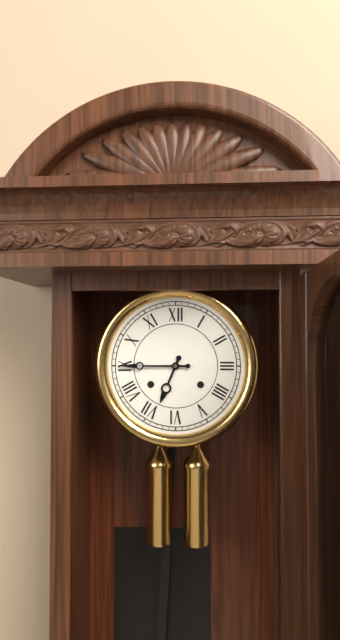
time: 6:45
